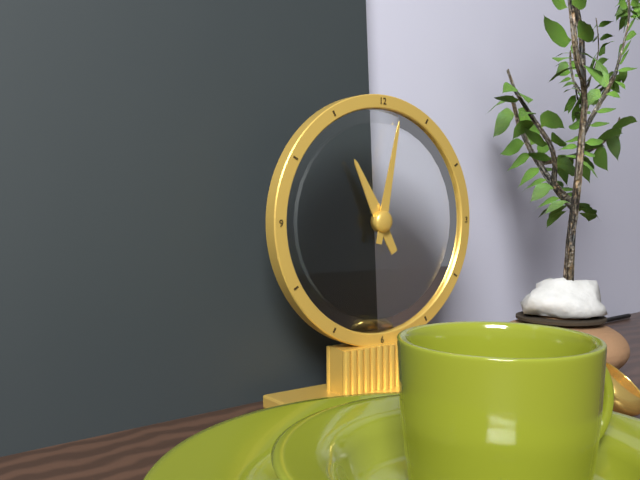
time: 11:02
